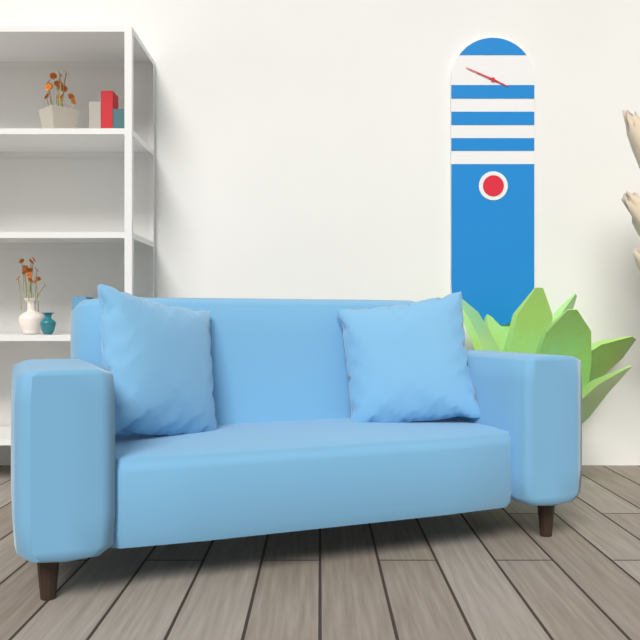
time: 3:49
